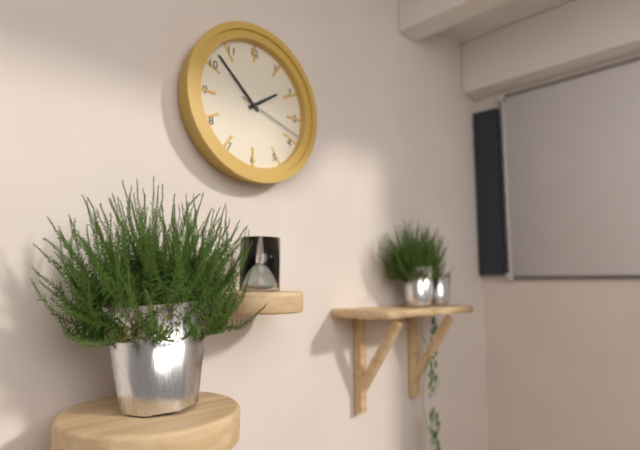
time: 1:52:18
